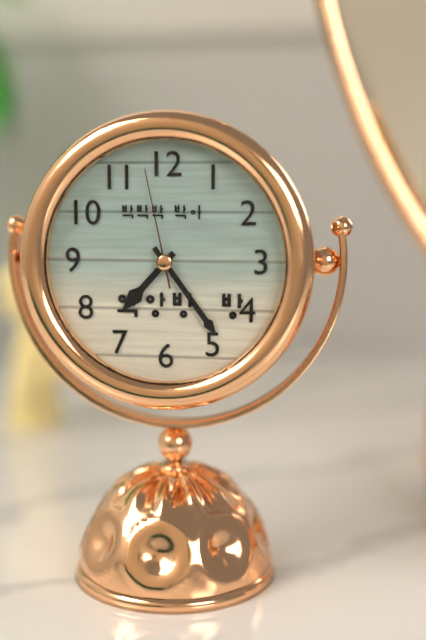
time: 7:24:58
